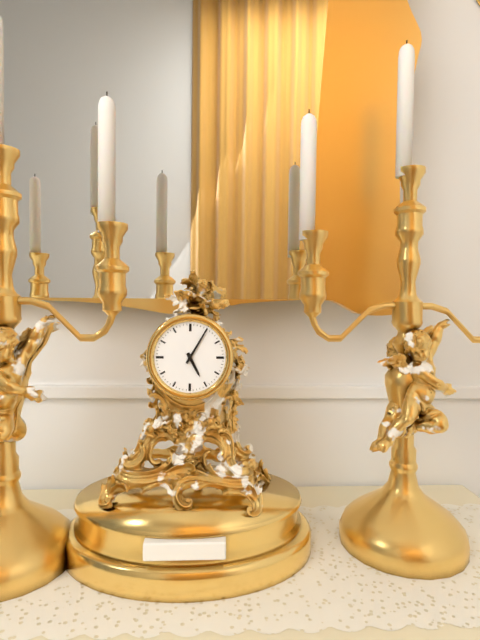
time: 5:05
